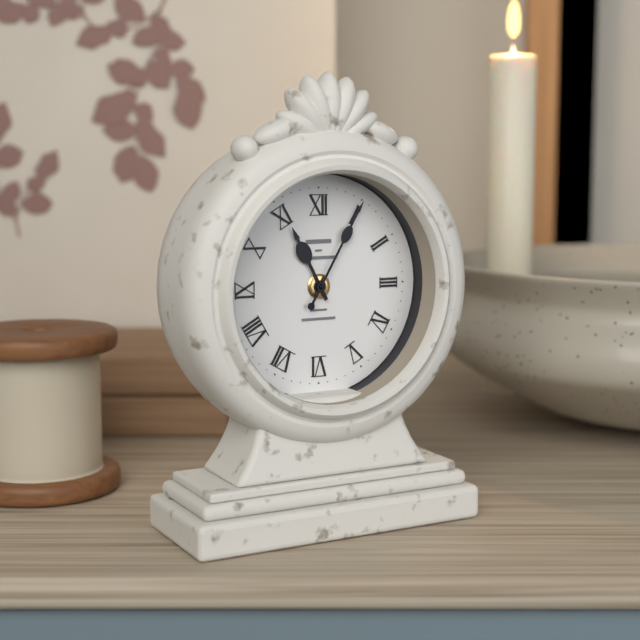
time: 11:05
